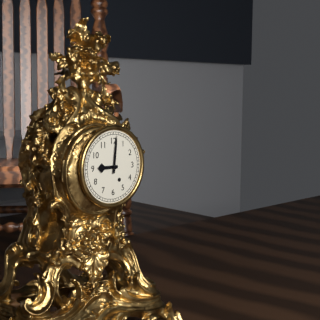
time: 9:01
